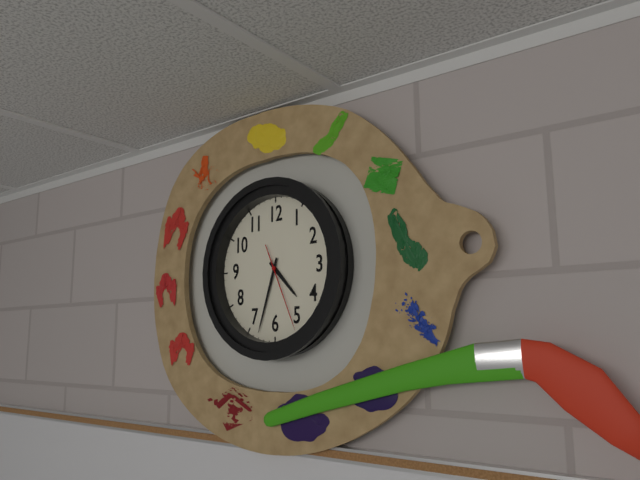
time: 4:33:26
